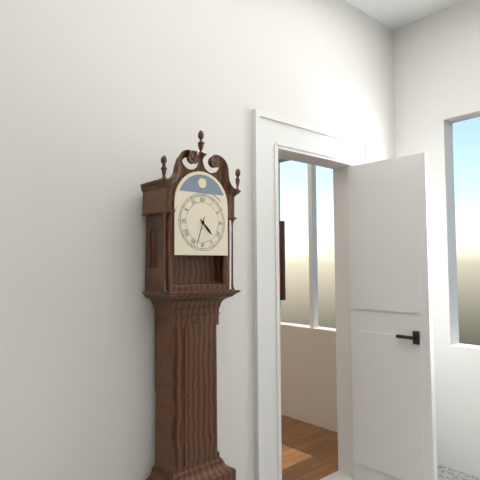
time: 4:33
